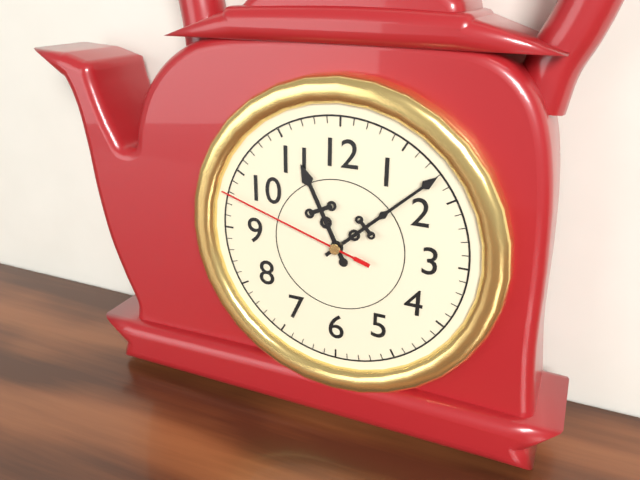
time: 11:08:48
